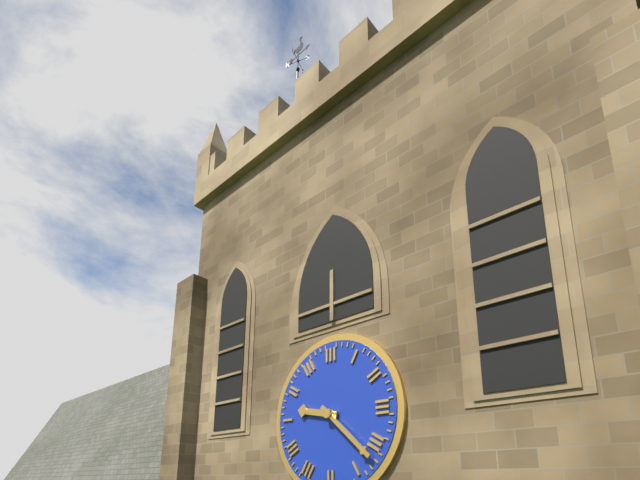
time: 9:22
